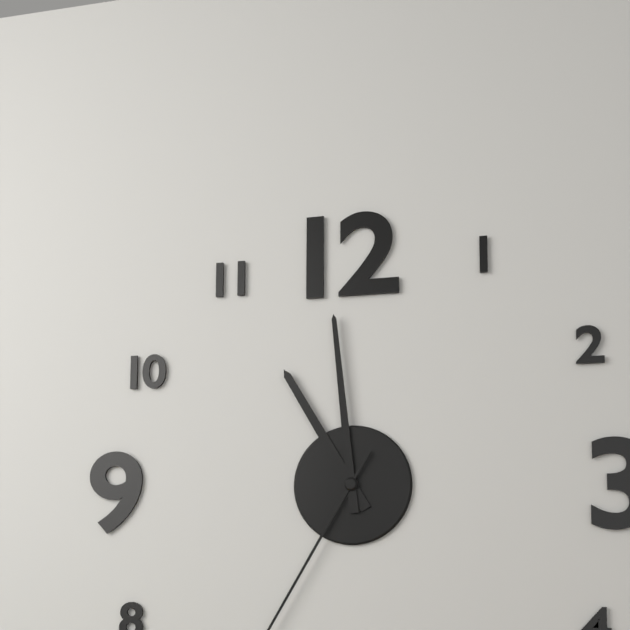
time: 10:59
